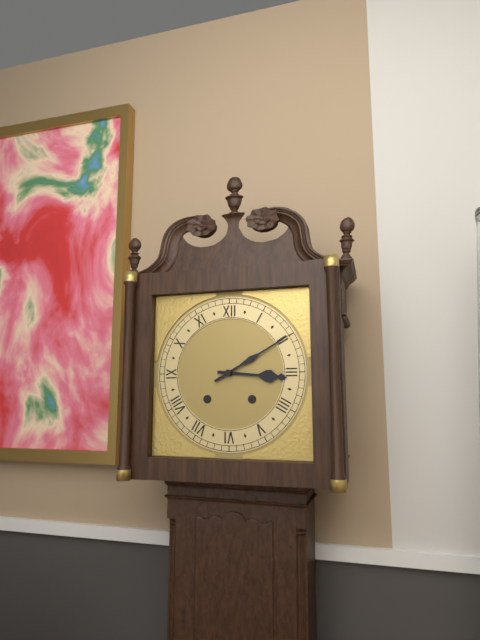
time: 3:10
